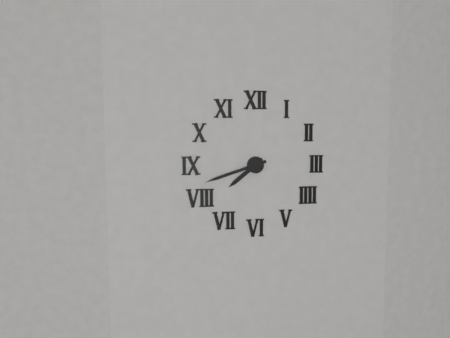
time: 7:42
